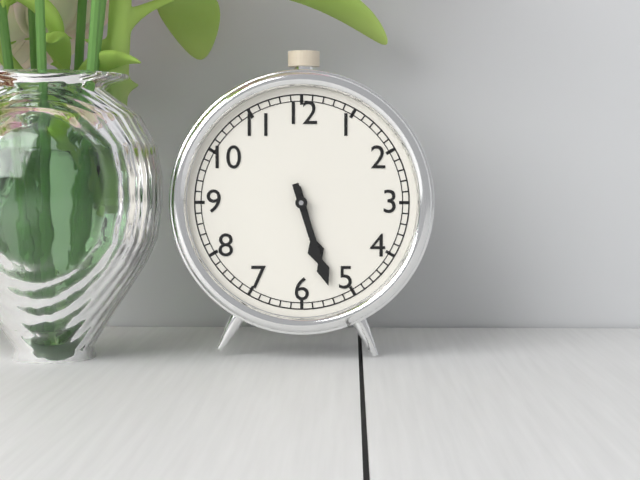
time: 5:27
